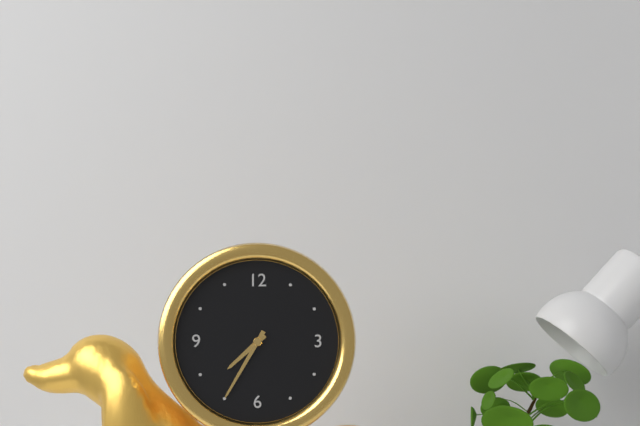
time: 7:35
